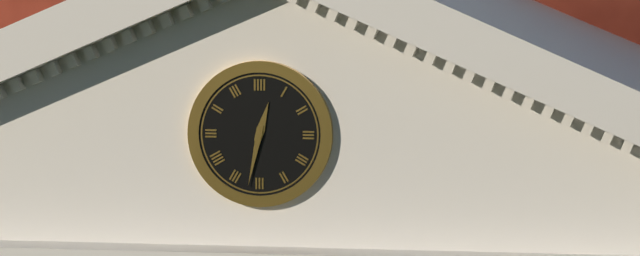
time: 12:32
